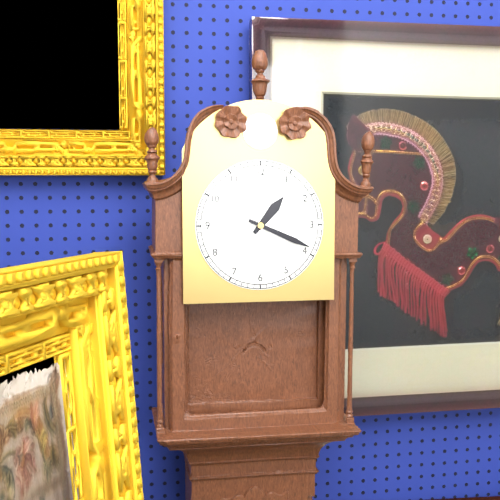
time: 1:19
